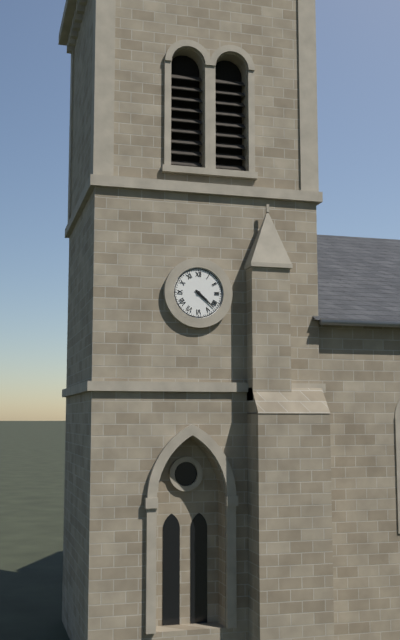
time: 4:22
